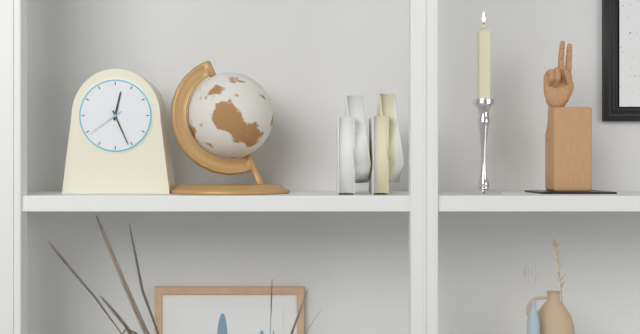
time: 12:26
